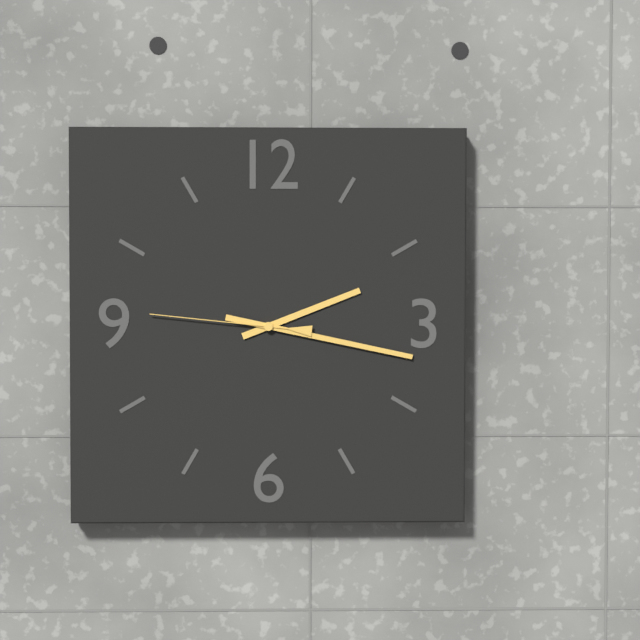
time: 2:17:46
